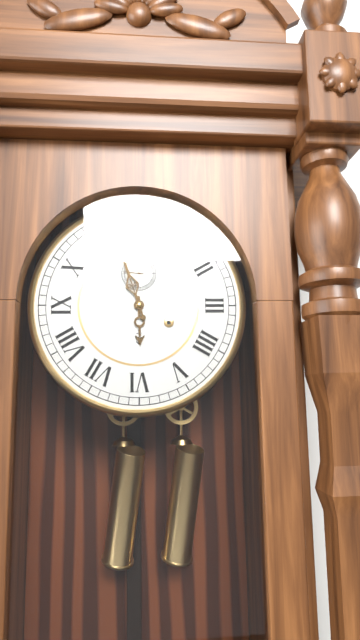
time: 5:57
